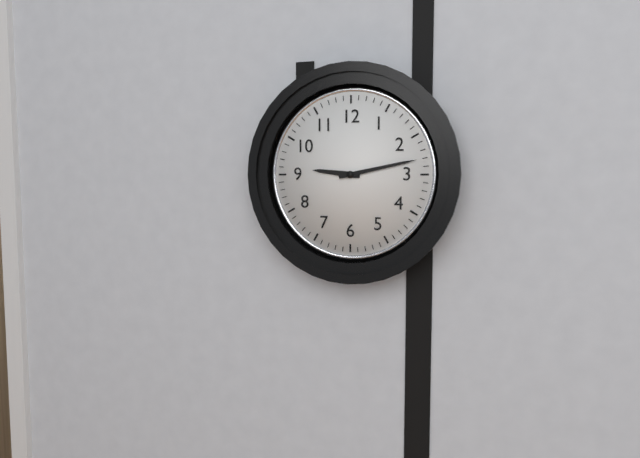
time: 9:13
